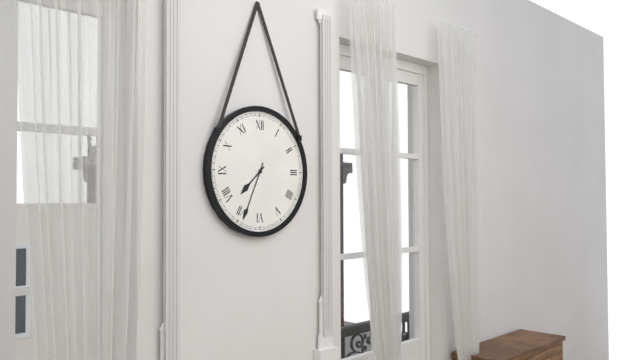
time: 7:34
